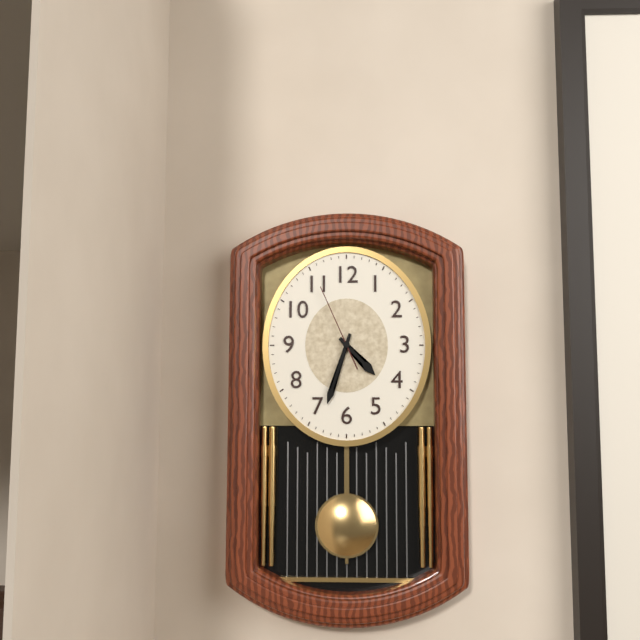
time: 4:33:56
